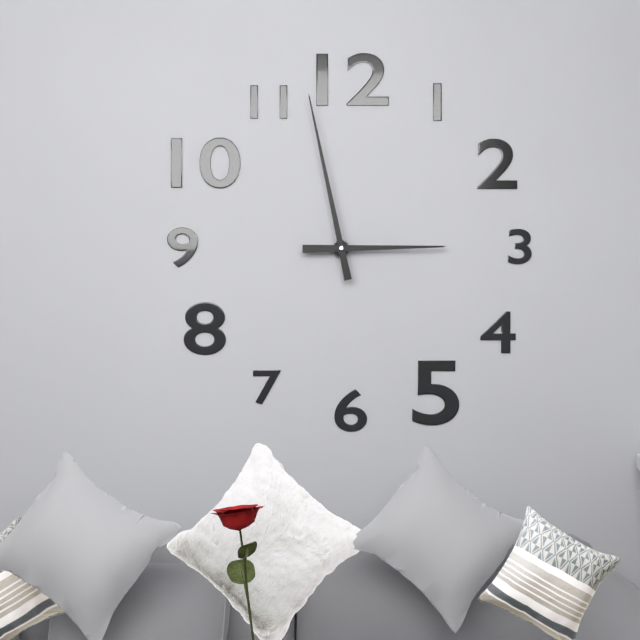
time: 2:58
